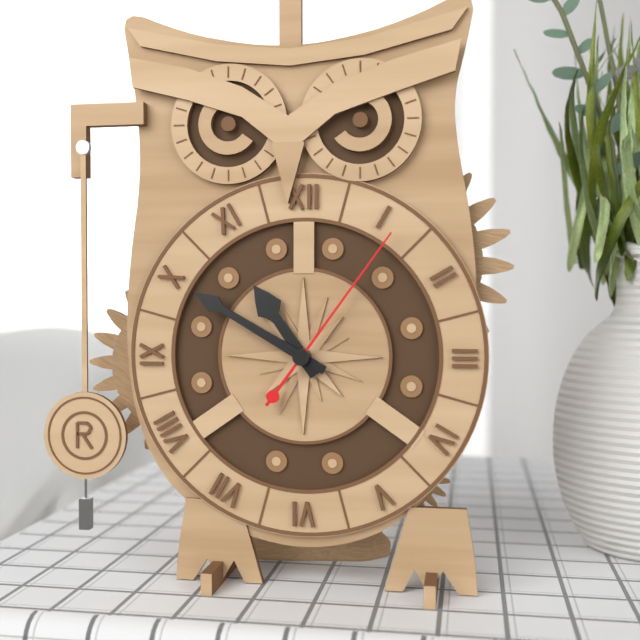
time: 10:50:06
